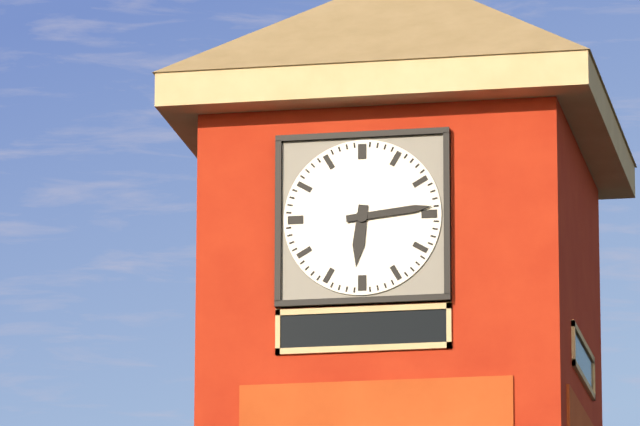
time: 6:14
